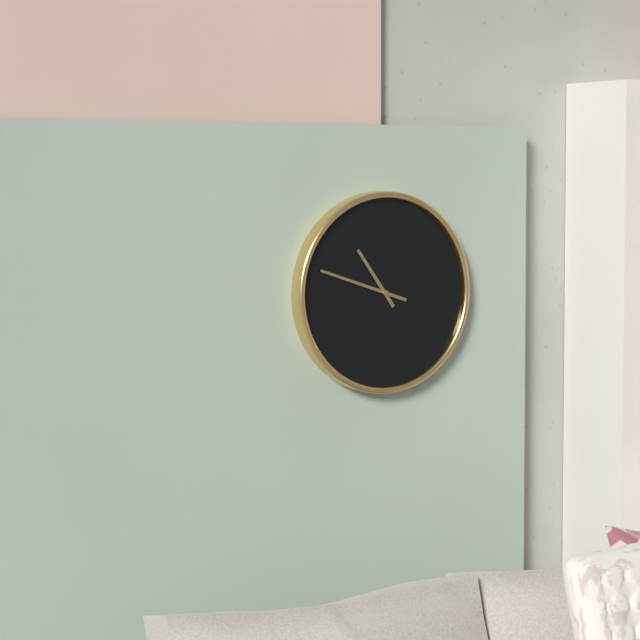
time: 10:48
